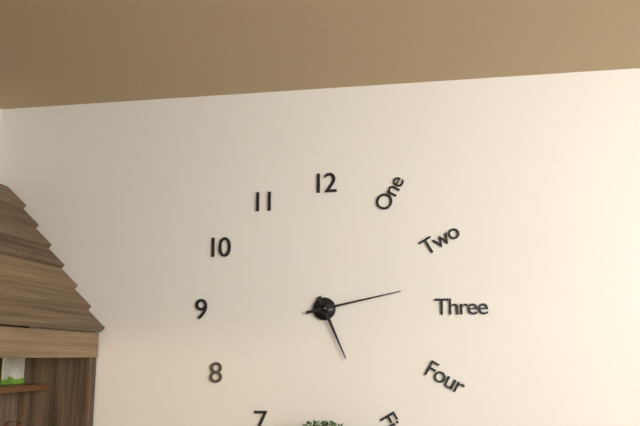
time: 5:13
